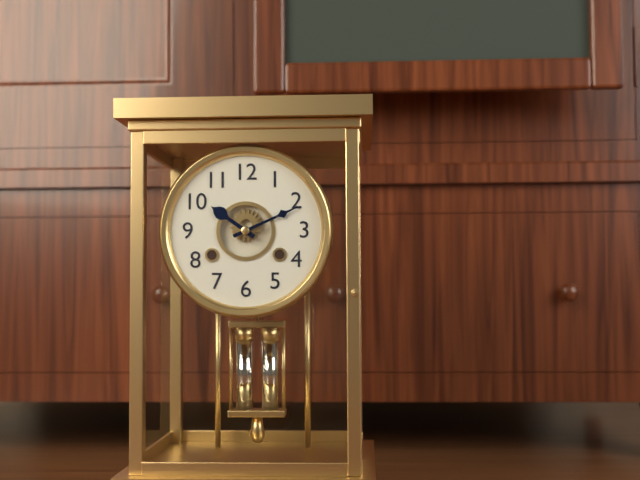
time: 10:11
